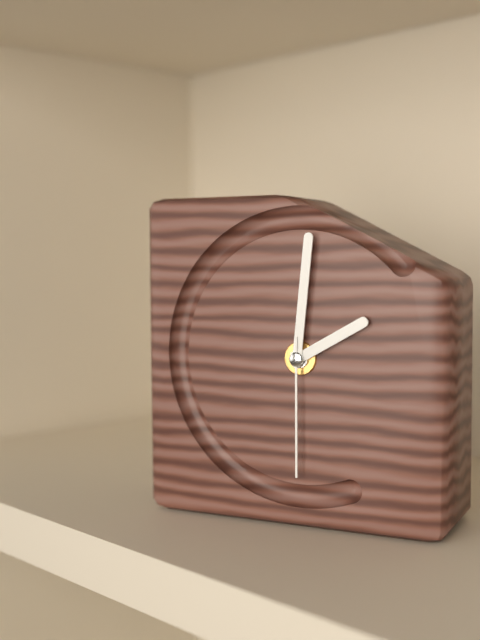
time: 2:01:30
